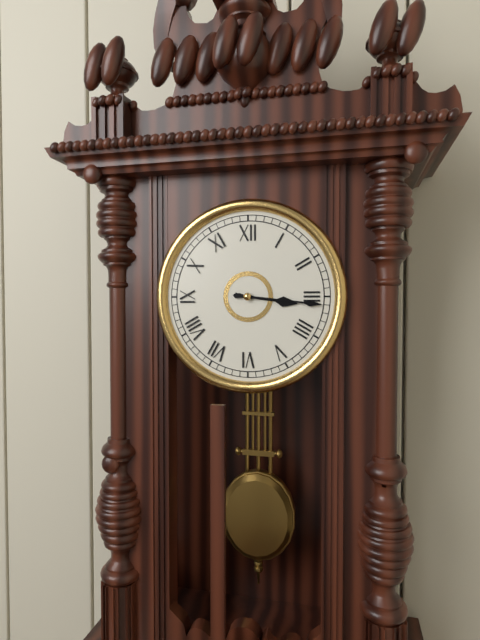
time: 3:16
